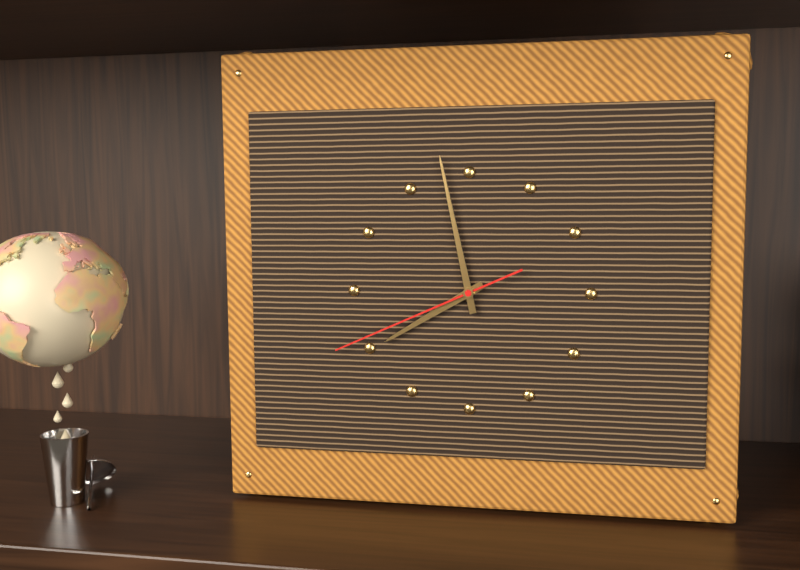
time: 7:58:41
